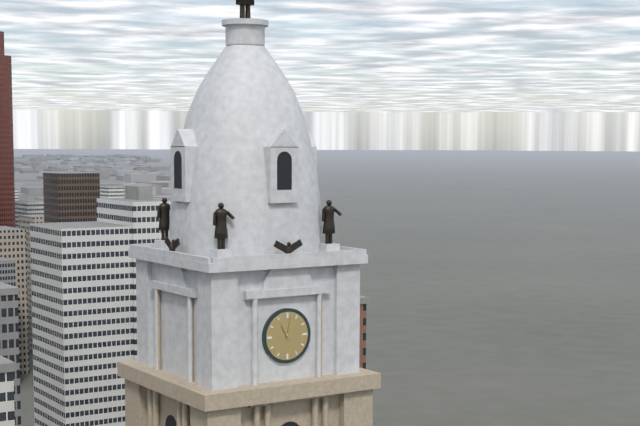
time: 11:02
